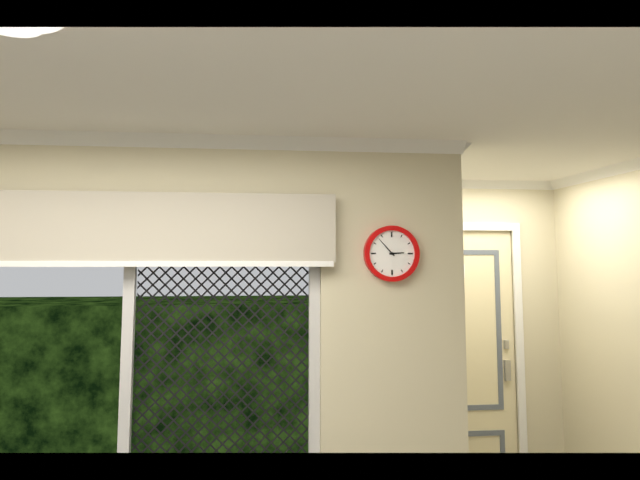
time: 2:53
